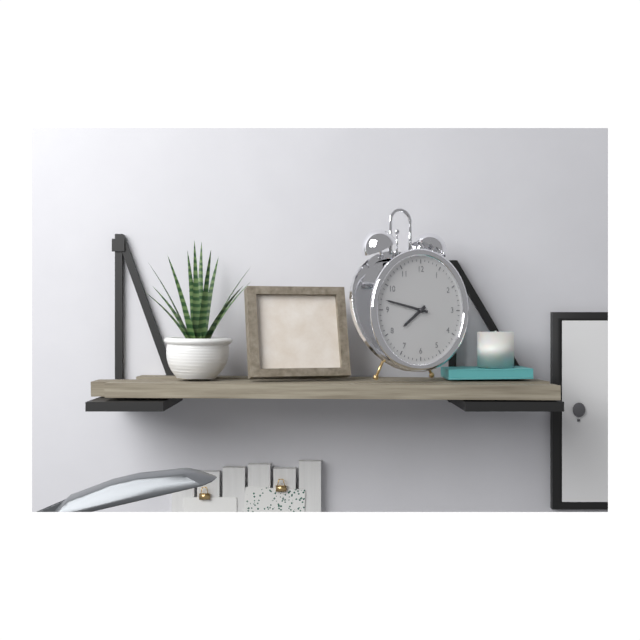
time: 7:47
